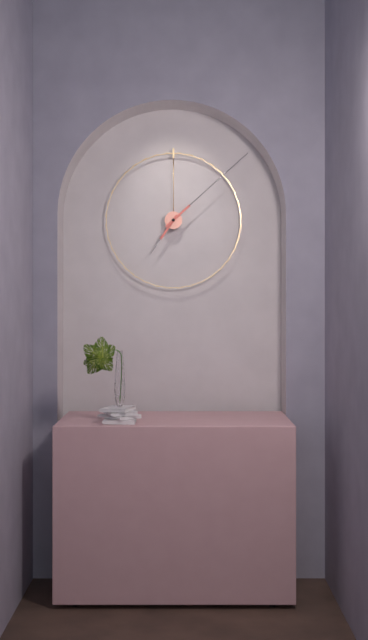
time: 7:08
